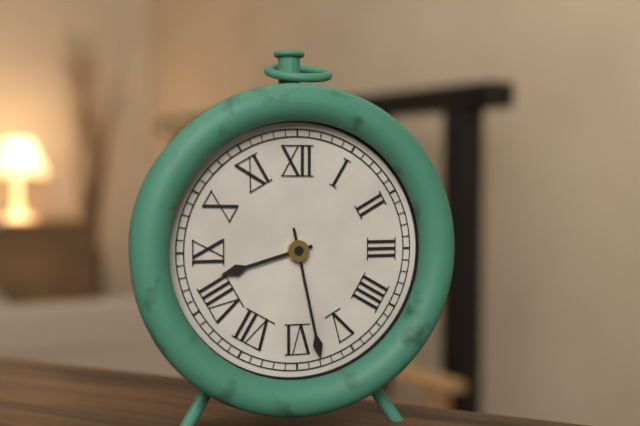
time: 8:28
